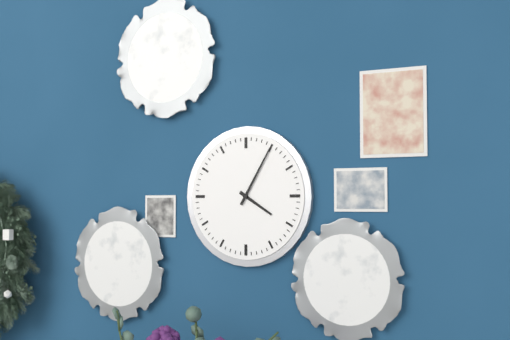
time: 4:05
